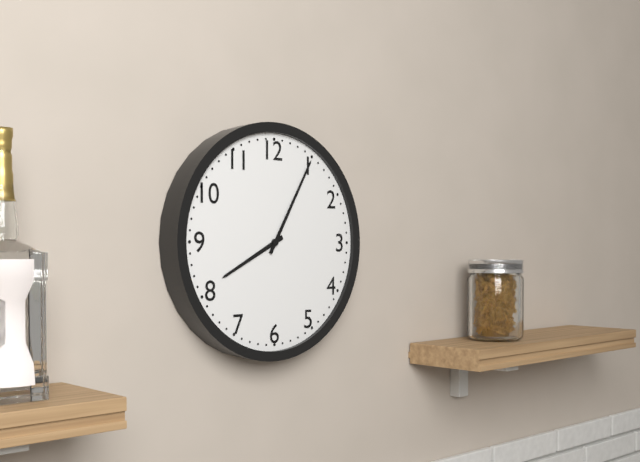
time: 8:05
